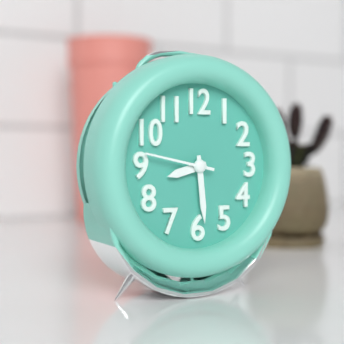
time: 8:29:47
